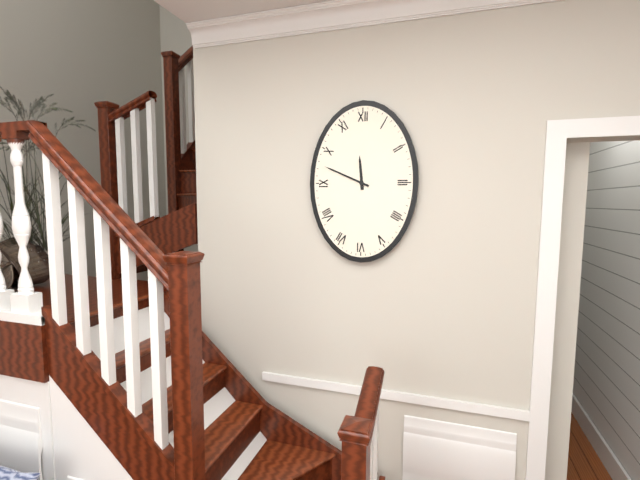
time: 11:49
